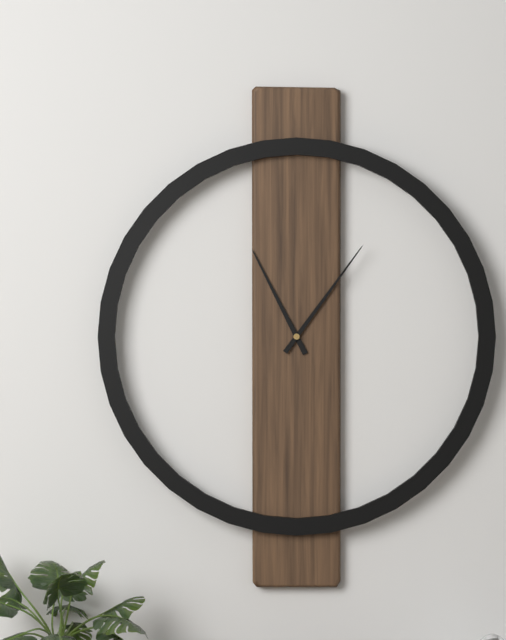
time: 11:06
